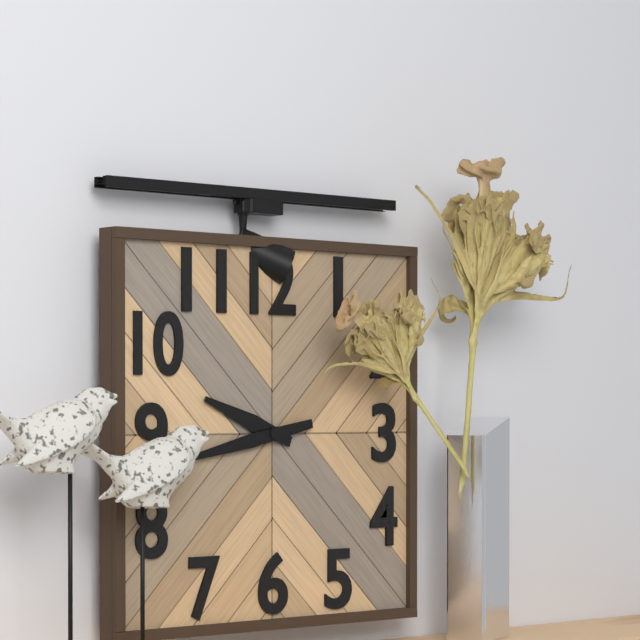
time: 9:43
